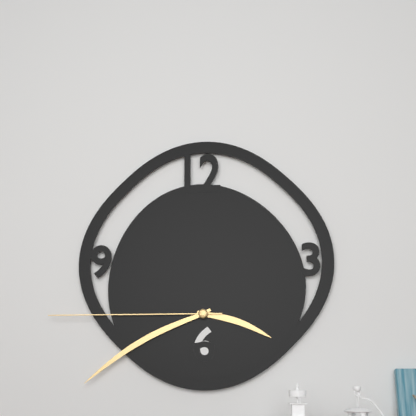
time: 3:40:45
